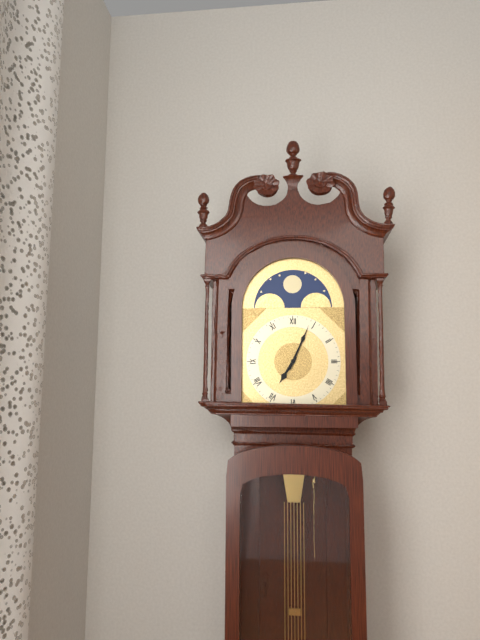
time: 7:04
